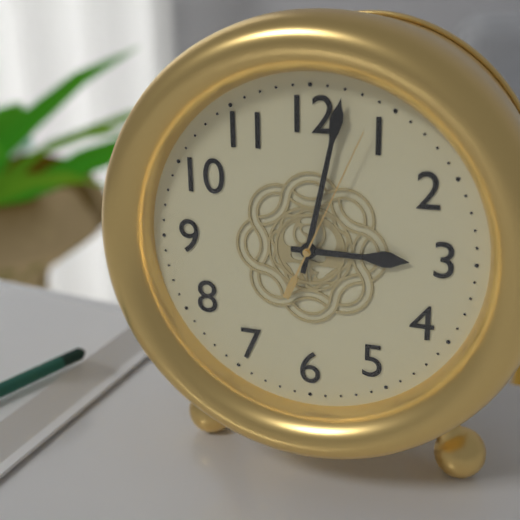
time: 3:02:04
